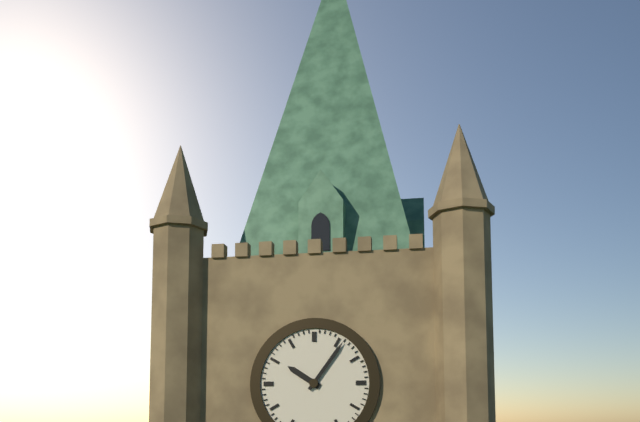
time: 10:06
